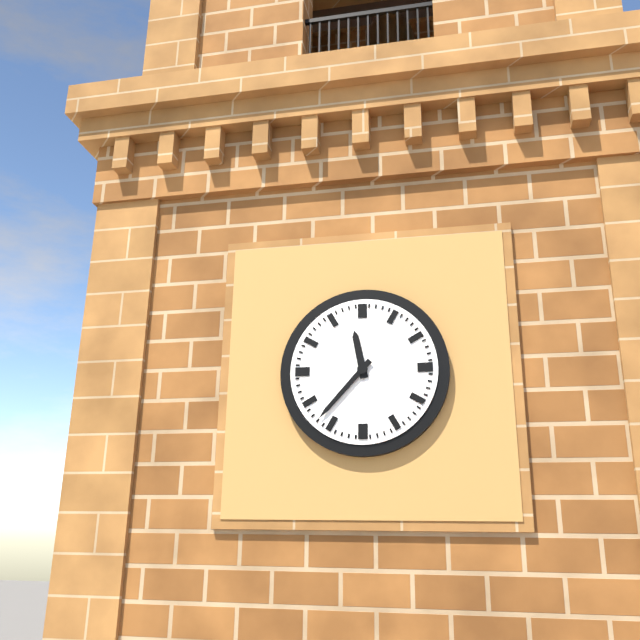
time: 11:37
